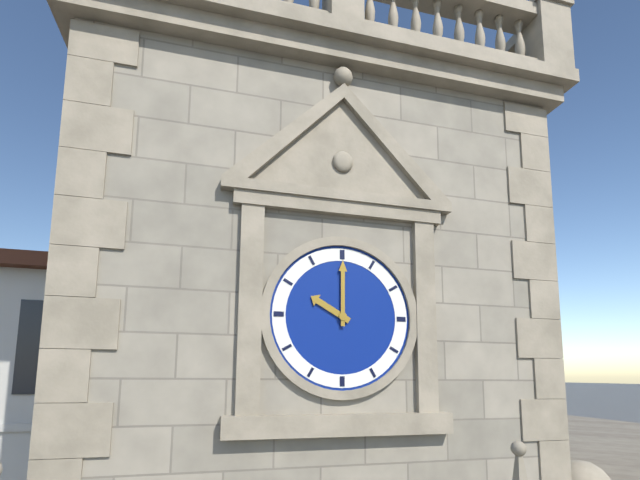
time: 10:00
